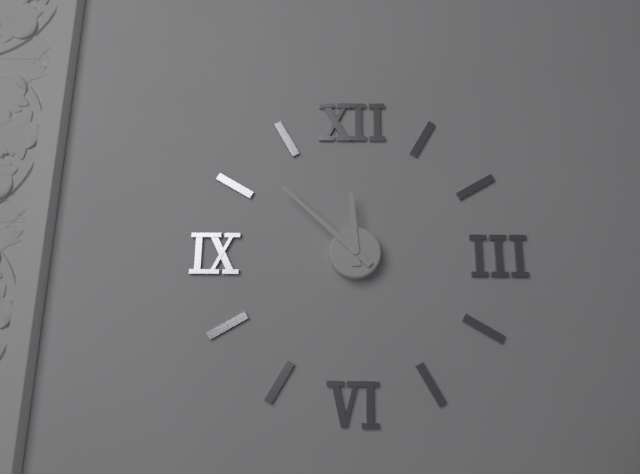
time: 11:52
